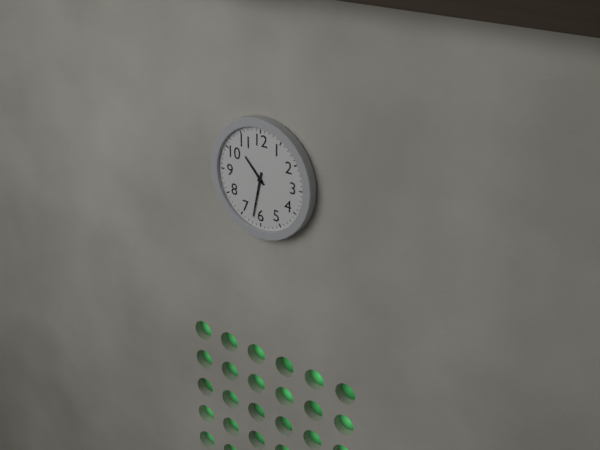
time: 10:32
